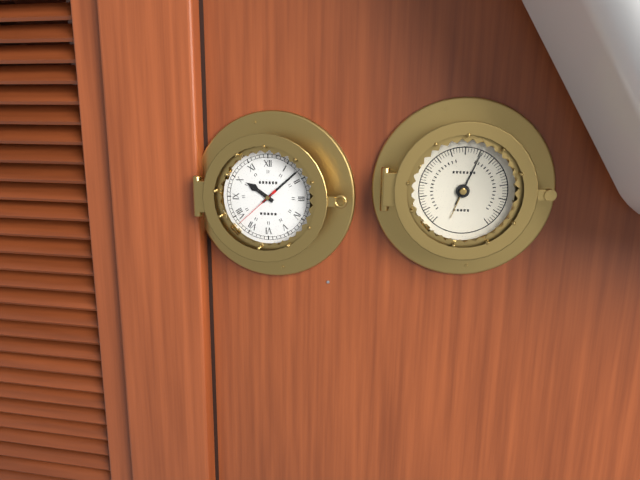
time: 10:08
